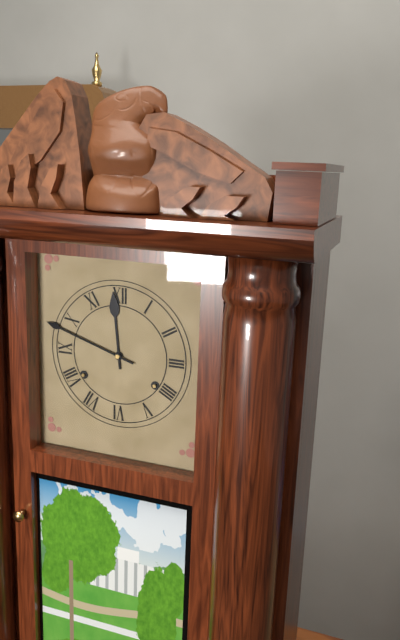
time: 11:48
